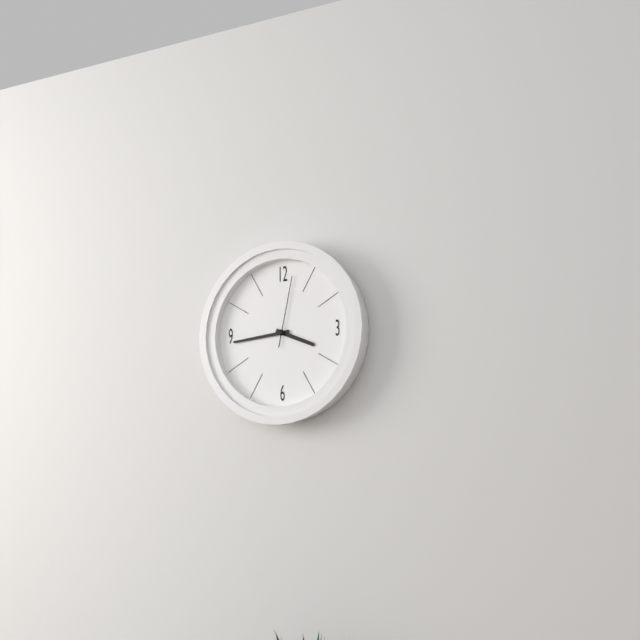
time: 3:44:02
